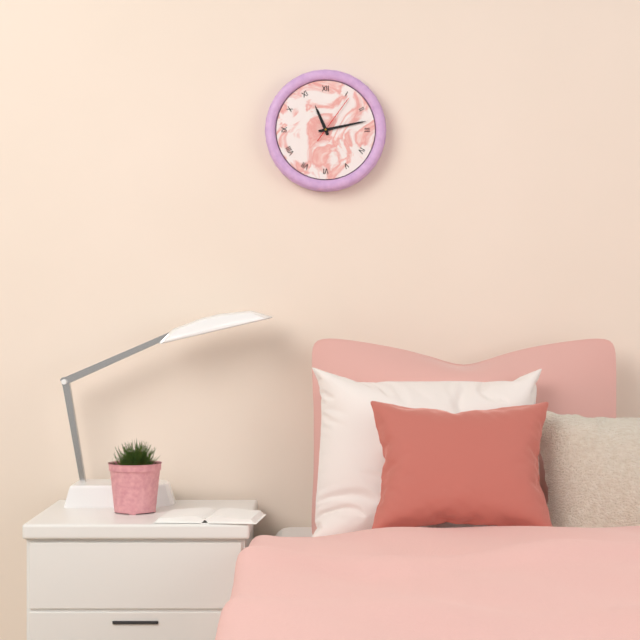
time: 11:13
